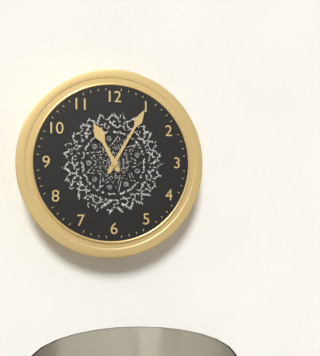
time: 11:05
